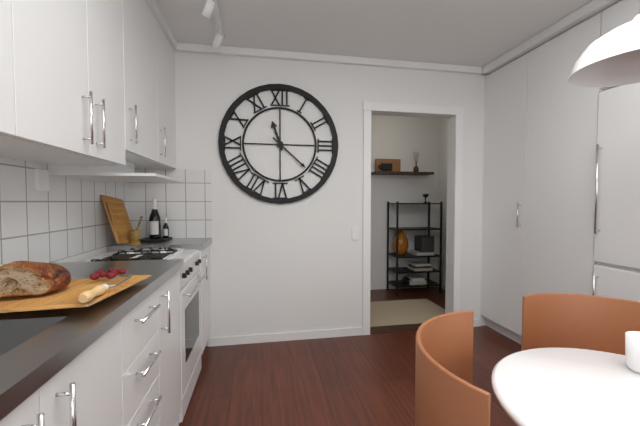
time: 11:22
